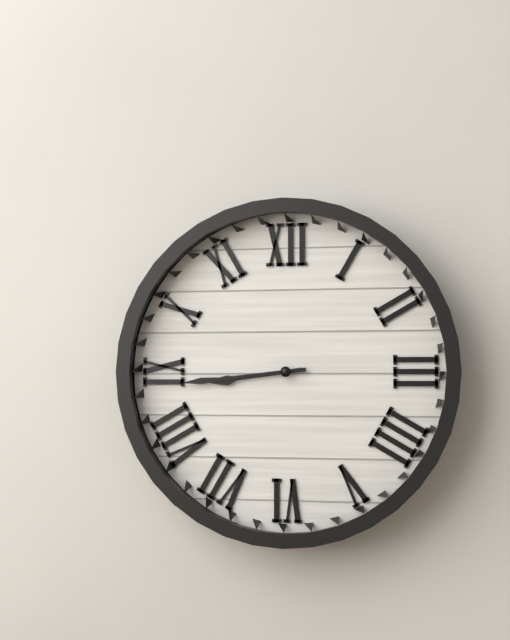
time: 8:44
